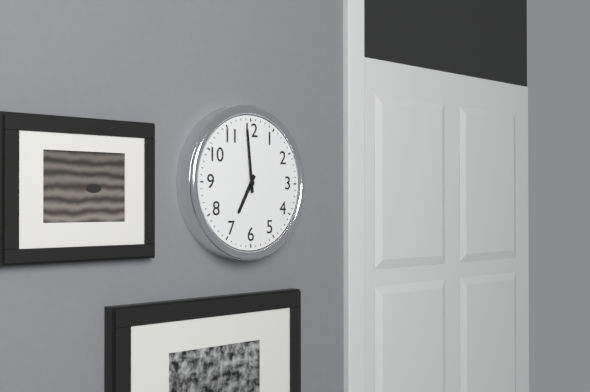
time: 6:59
